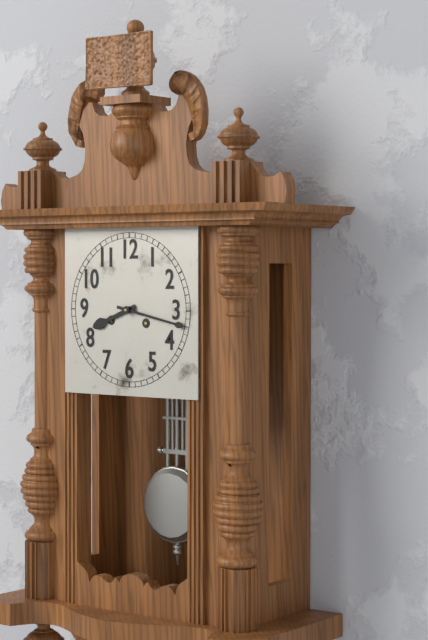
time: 8:17
